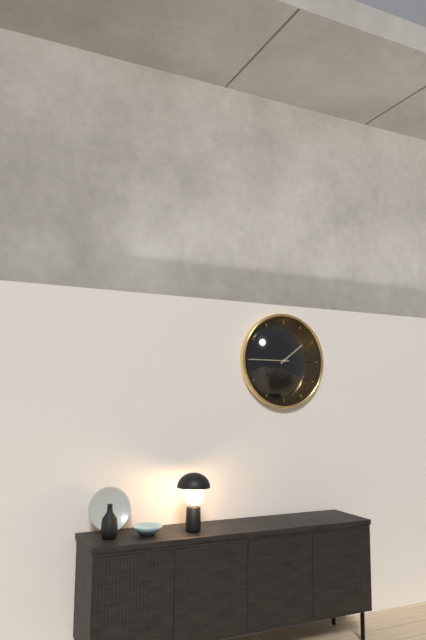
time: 1:45
